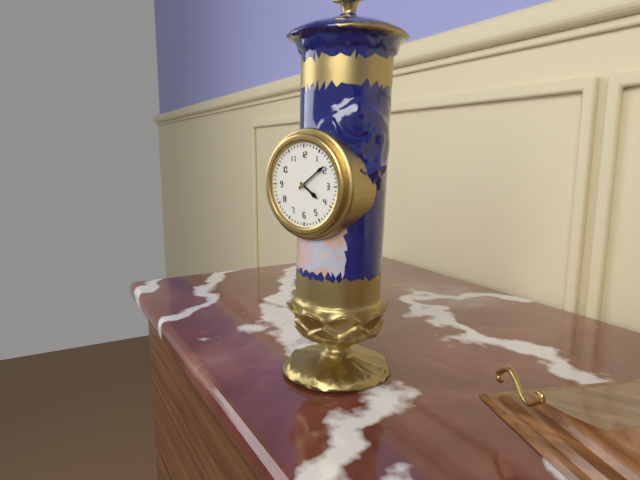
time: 4:09
